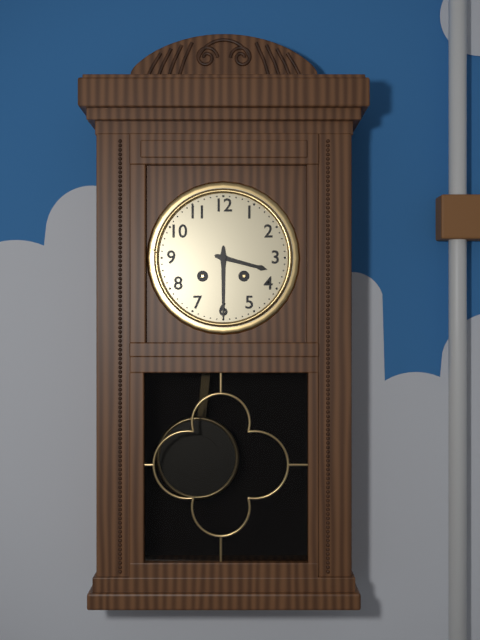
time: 3:30
